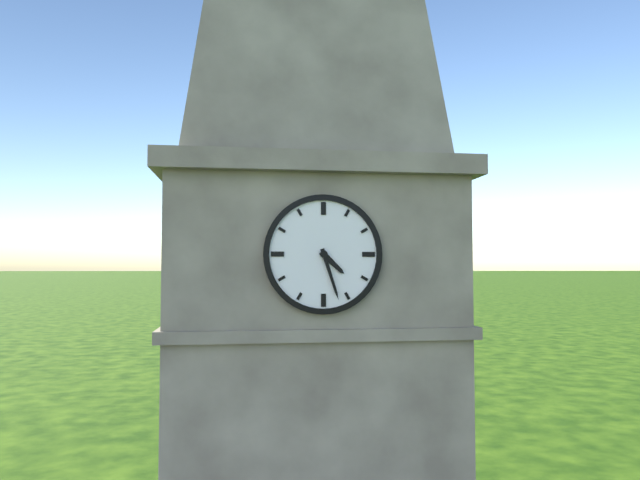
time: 4:27
